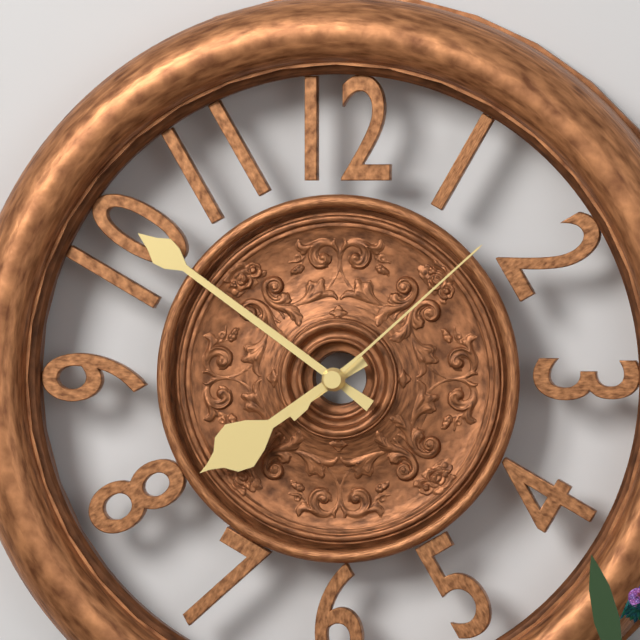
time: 7:51:08
